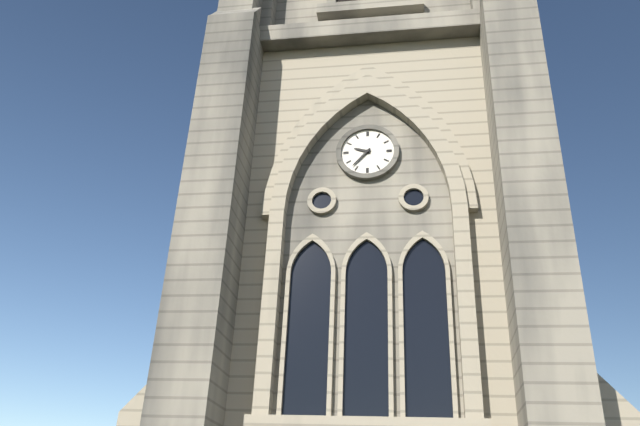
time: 9:37
